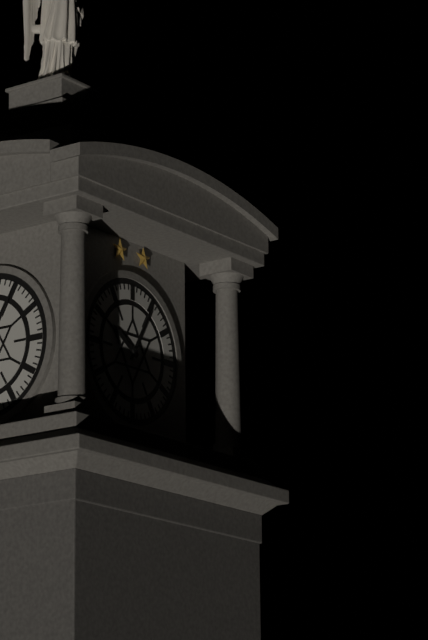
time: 10:05
